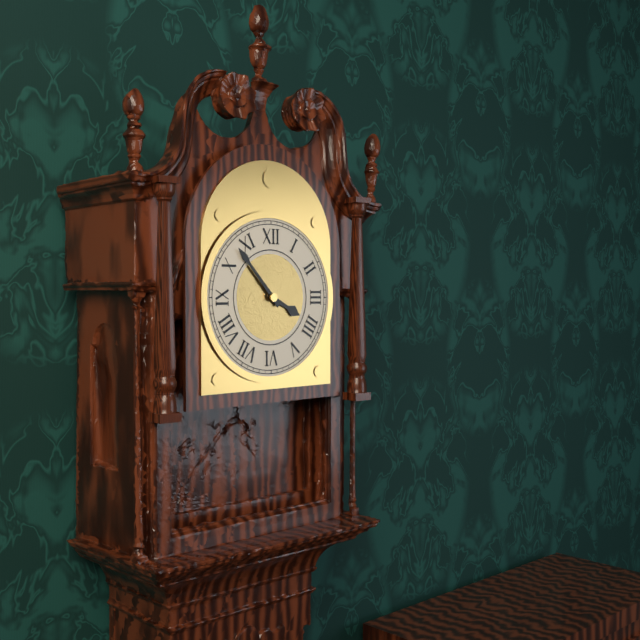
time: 3:53
